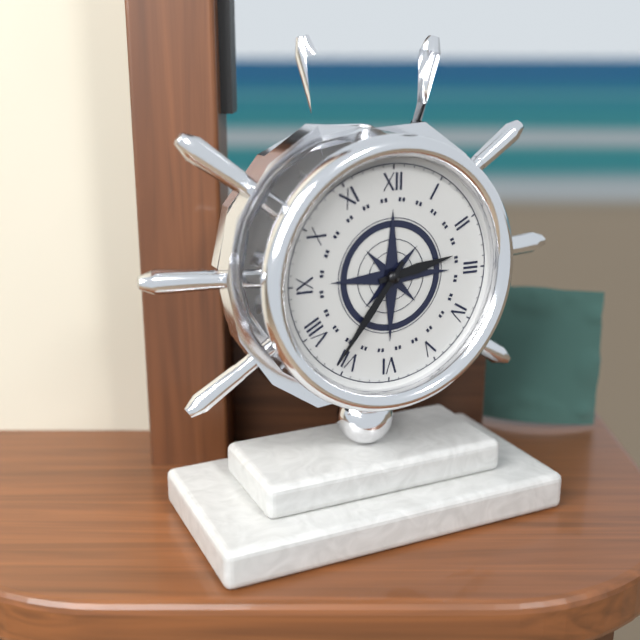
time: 2:36
